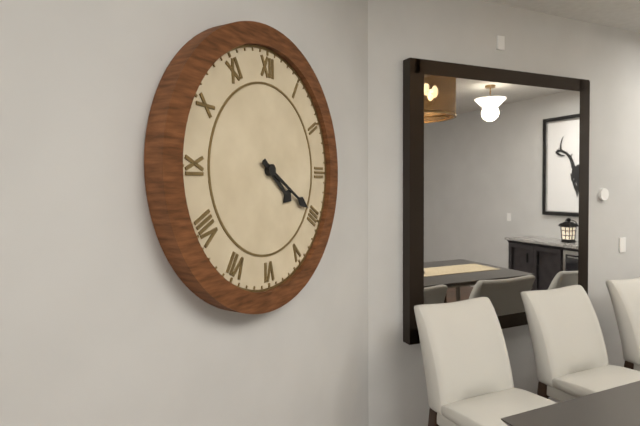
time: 4:20
